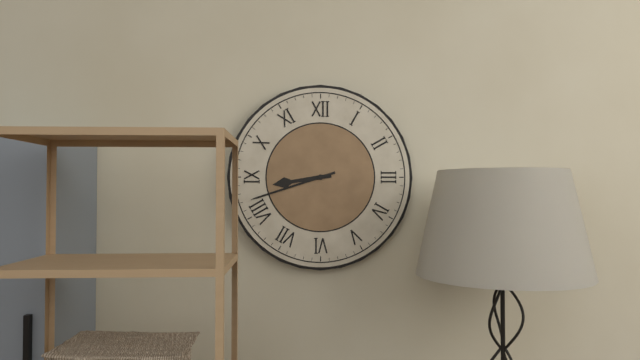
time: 8:42
